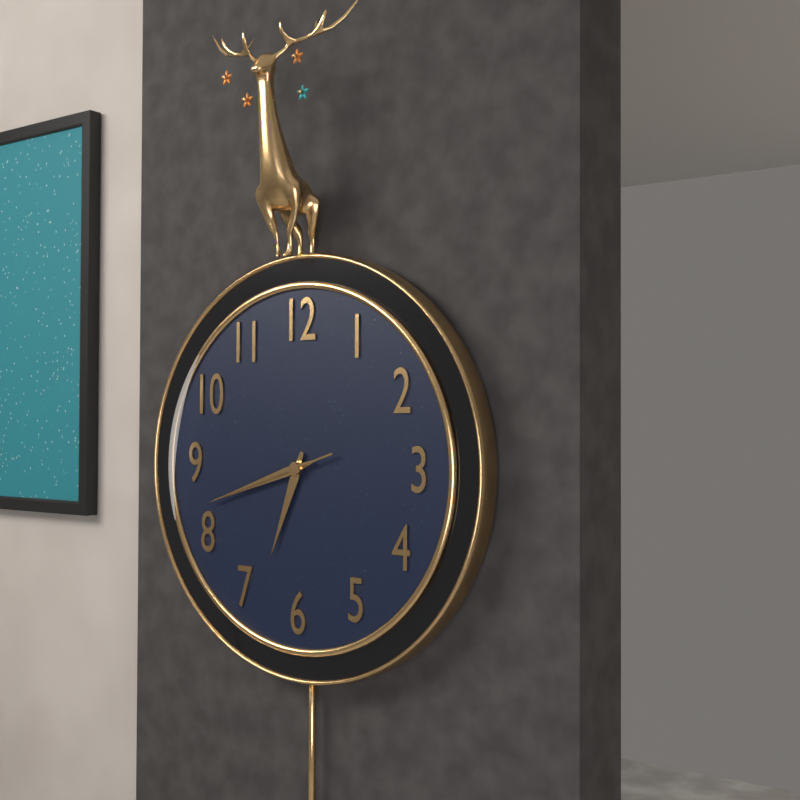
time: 6:42:42
